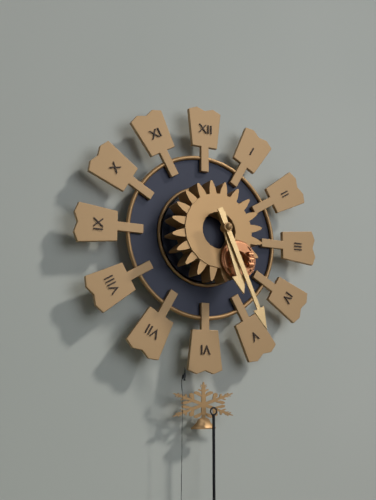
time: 5:26
